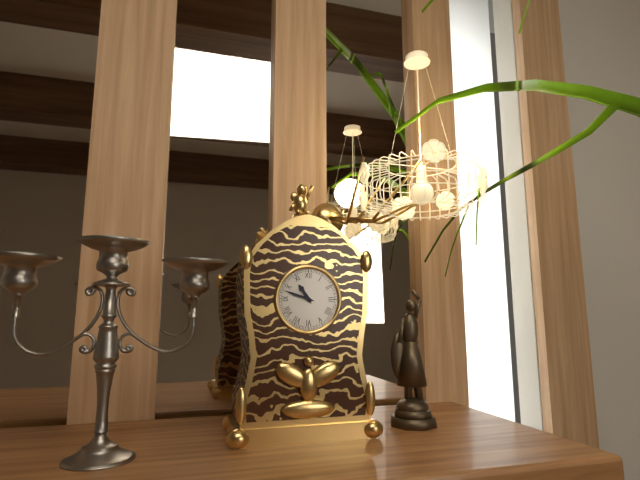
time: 10:48
